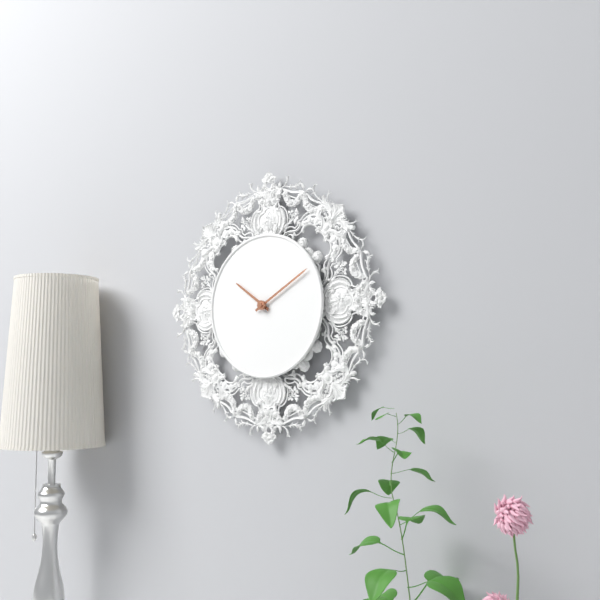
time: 10:10
